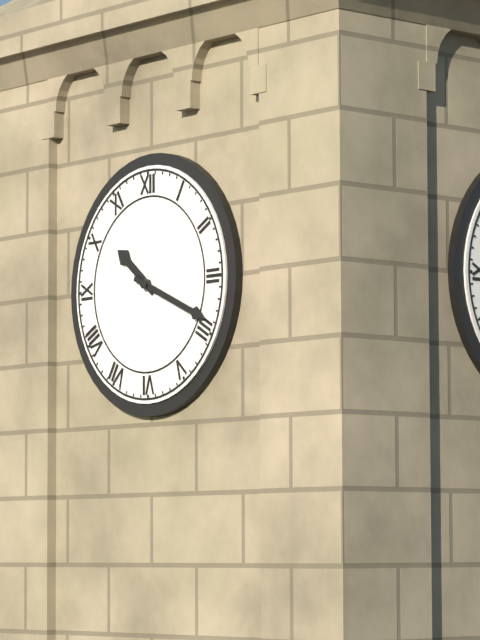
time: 10:19
